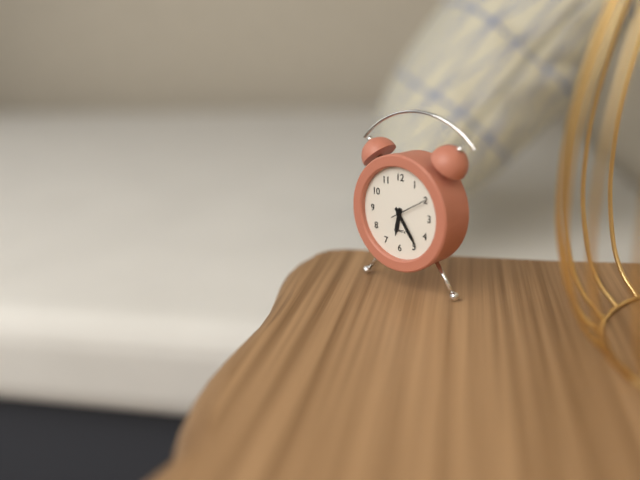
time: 6:24
